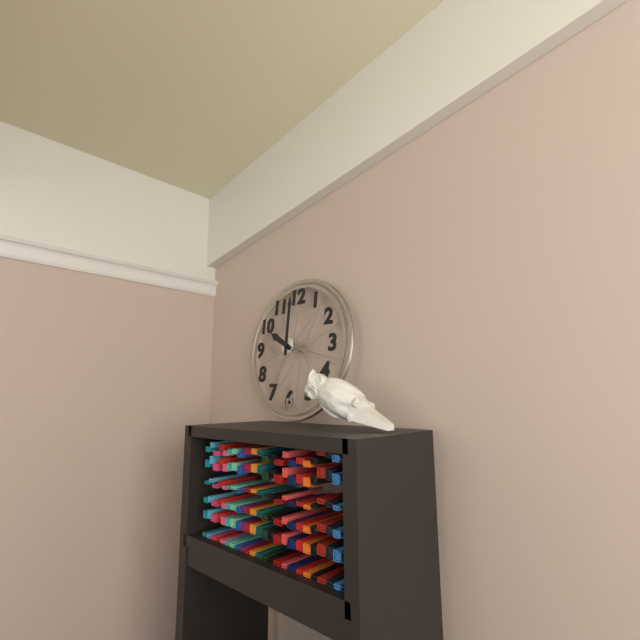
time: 10:00
